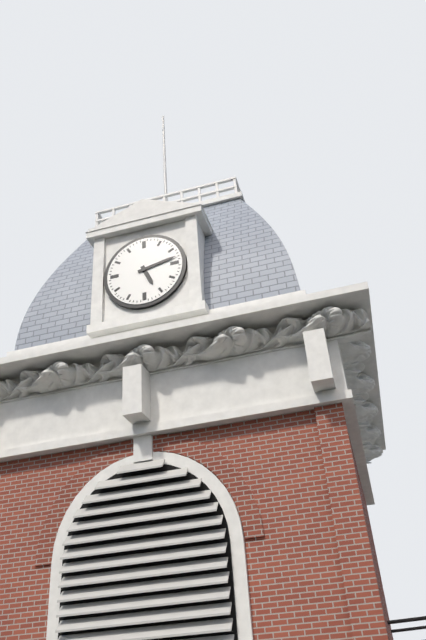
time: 5:13
